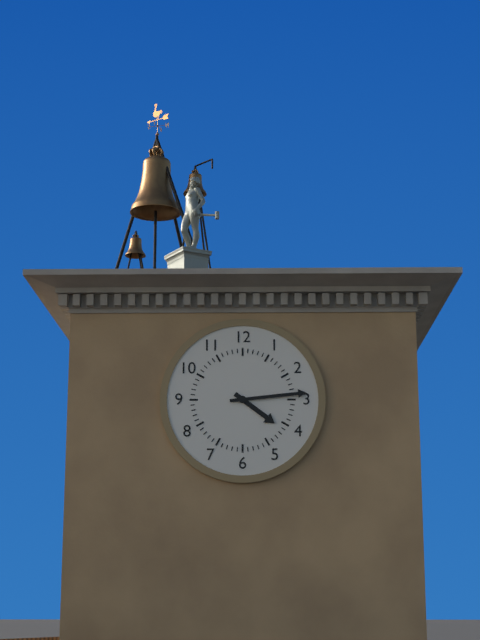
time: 4:14
